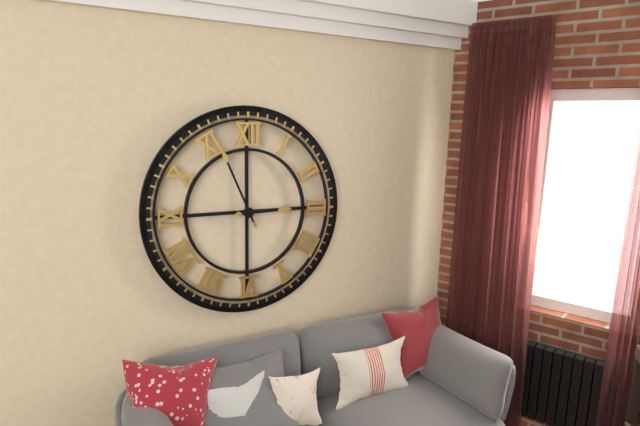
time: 2:56
